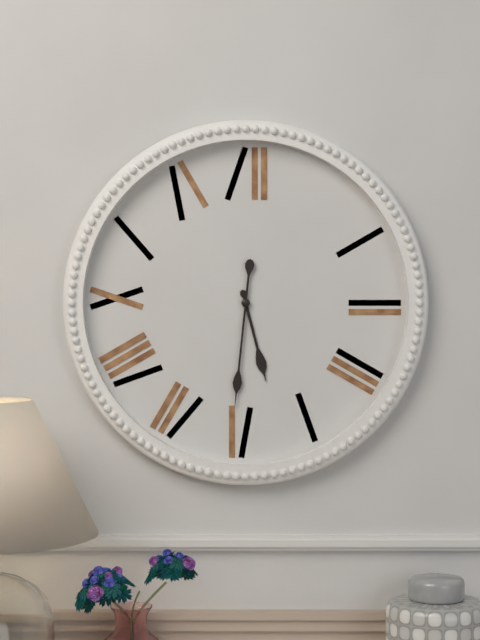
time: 5:31
